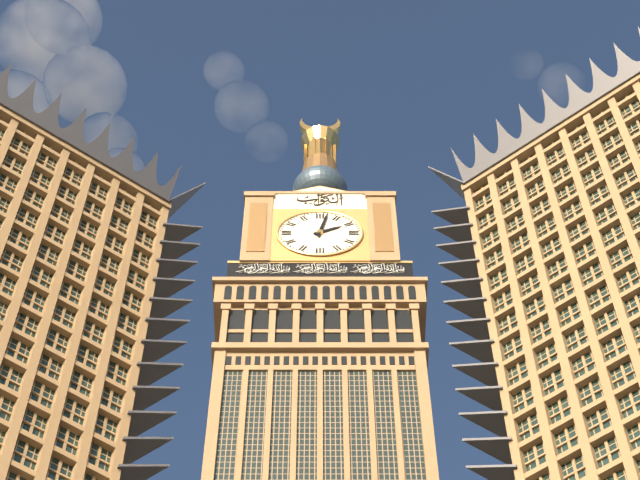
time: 2:02
